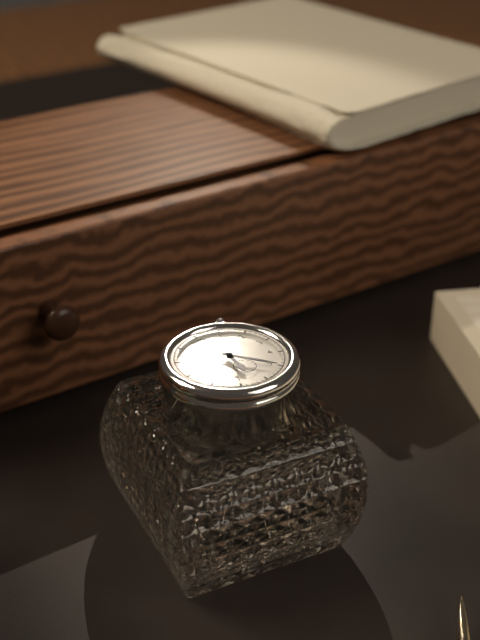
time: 6:25
